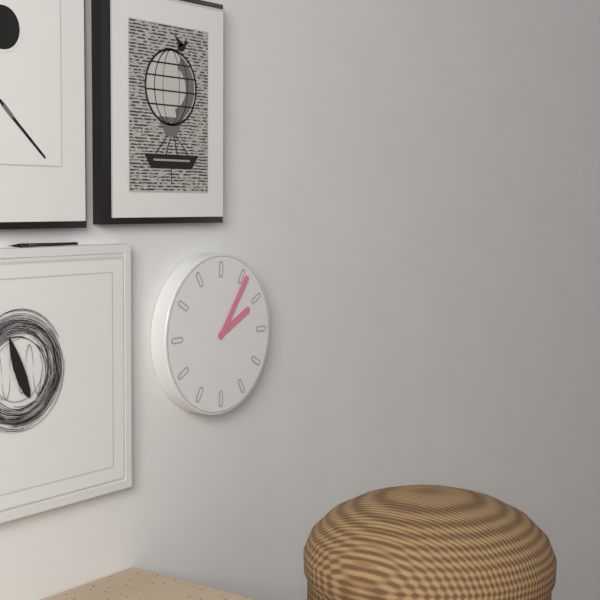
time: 2:06
